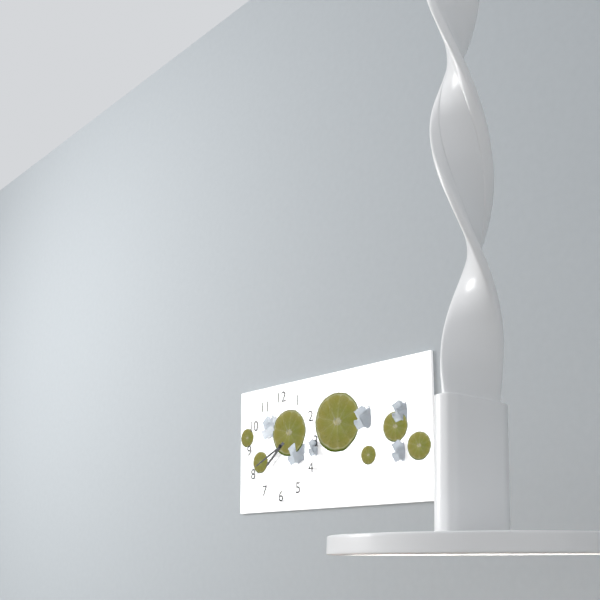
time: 7:41
